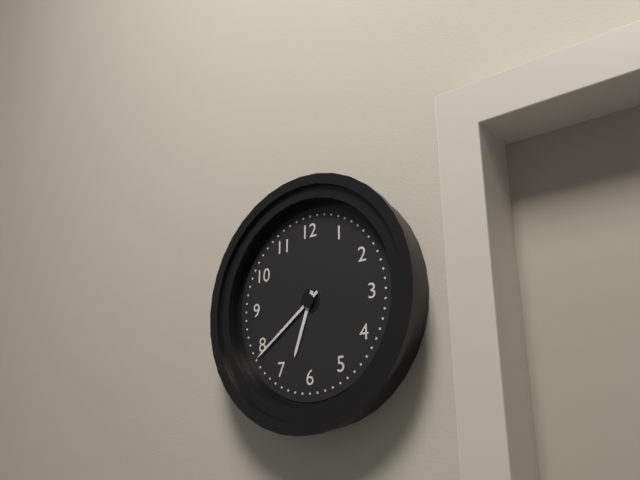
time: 6:39
